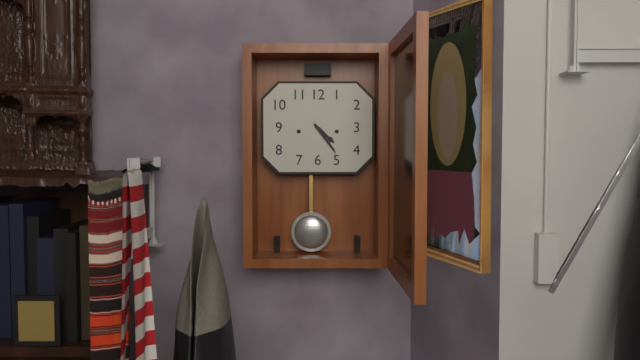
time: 4:24
